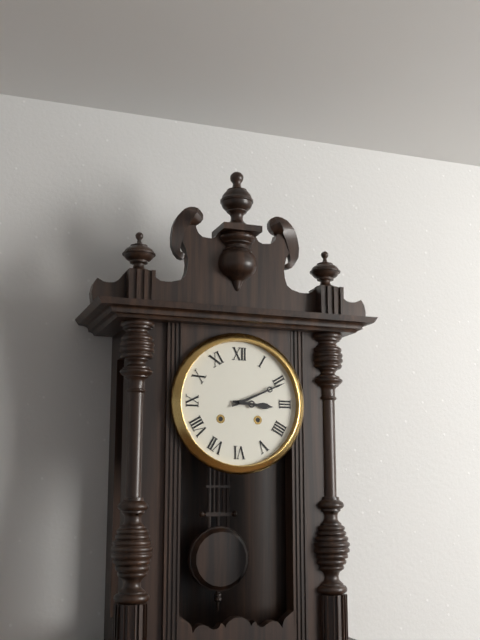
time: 3:11
